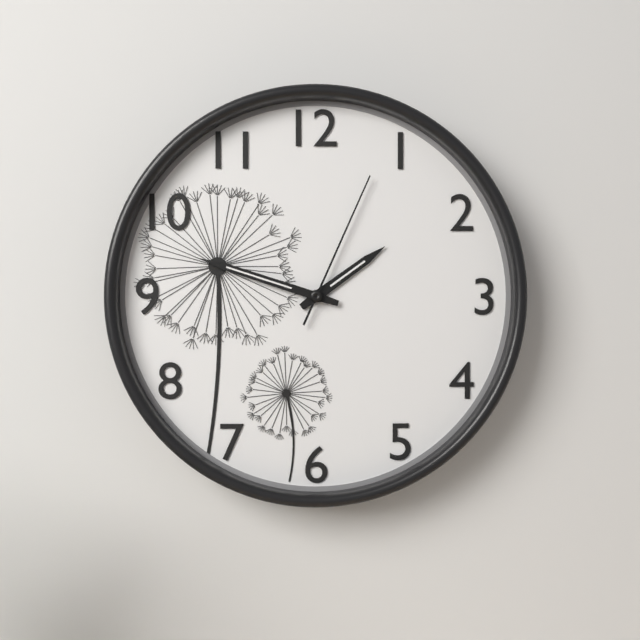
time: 1:48:04
